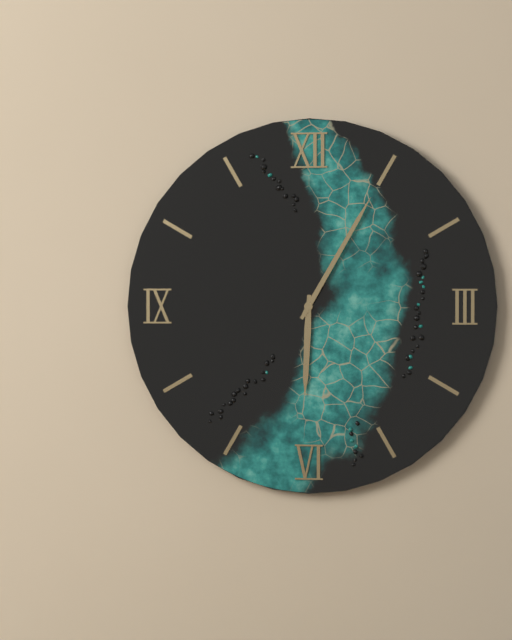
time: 6:05
